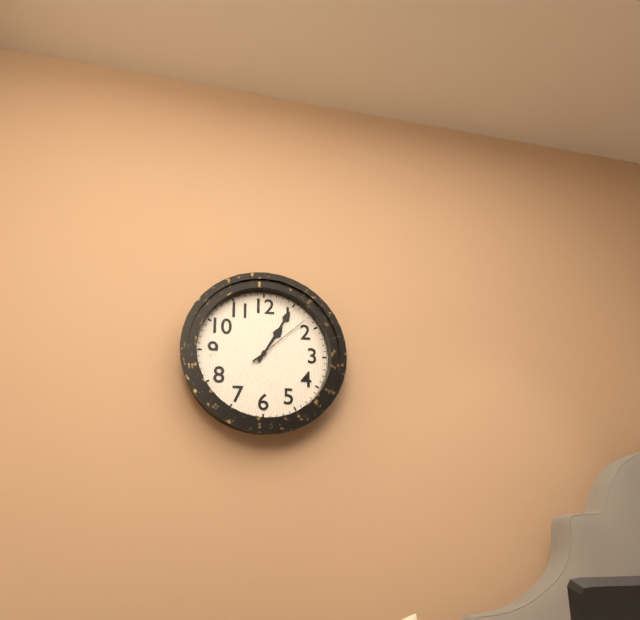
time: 1:05:08
